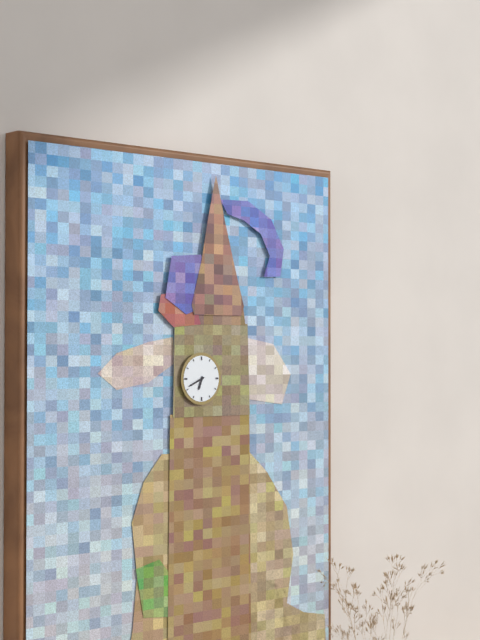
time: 6:41
